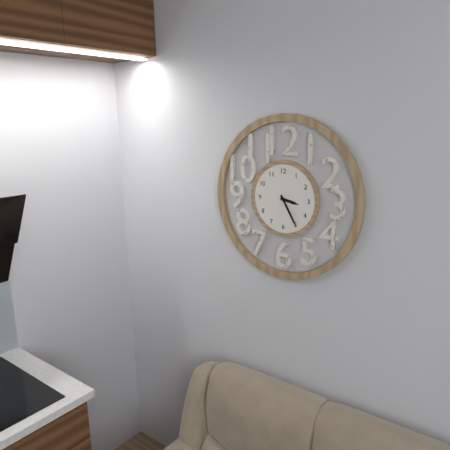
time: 3:25
